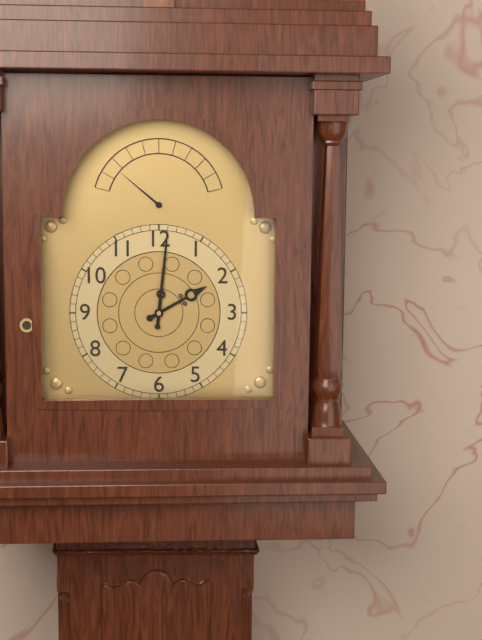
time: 2:01
